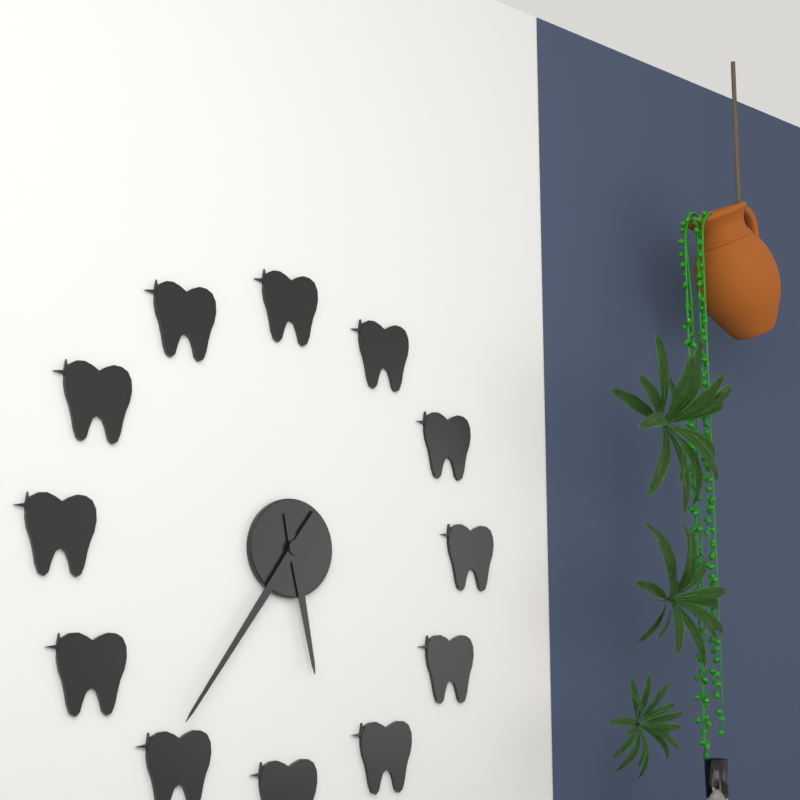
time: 5:36
